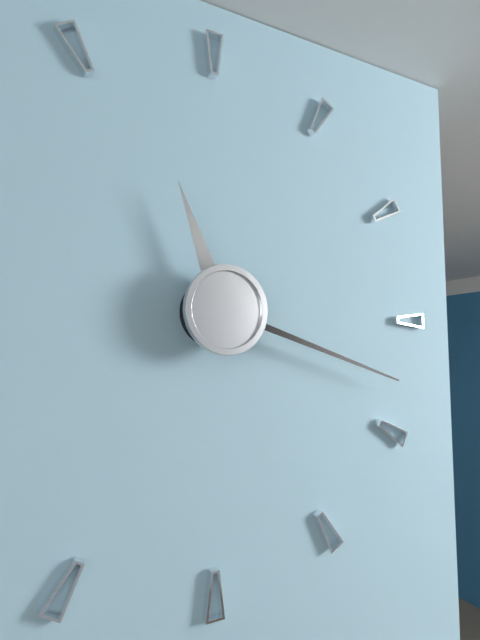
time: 11:18
